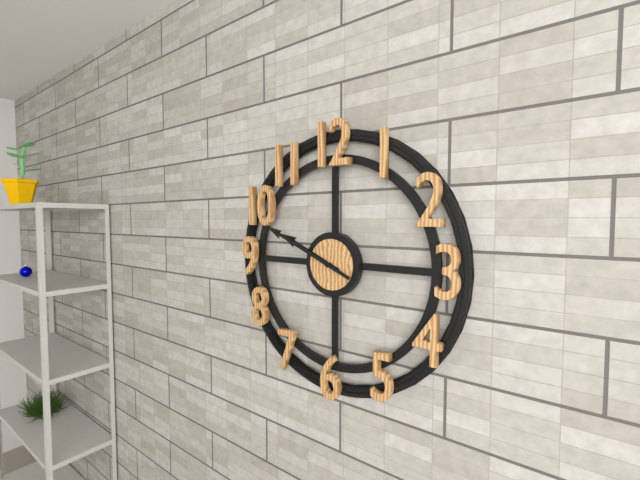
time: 9:49
